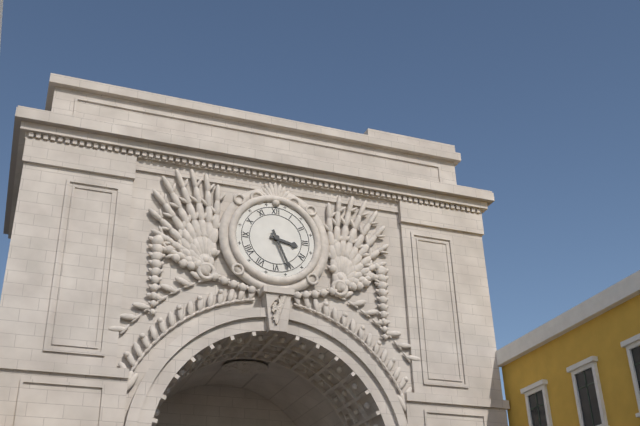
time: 3:26
